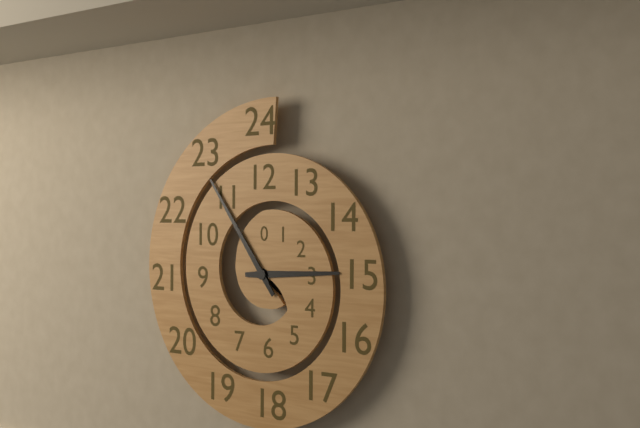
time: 2:54
